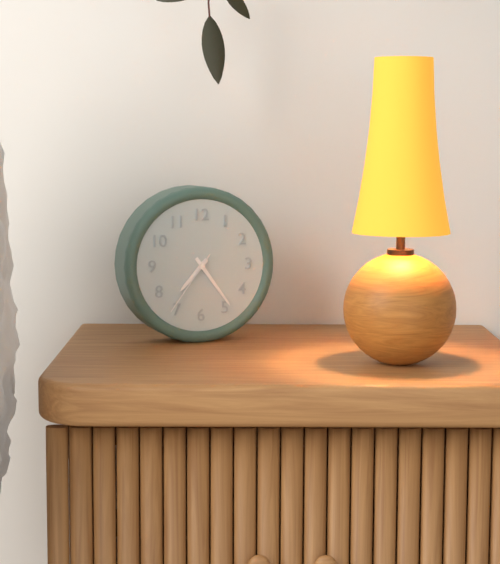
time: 7:24:36
